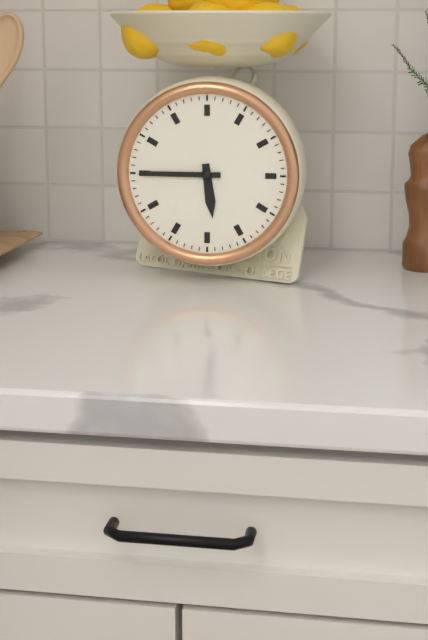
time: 5:45
